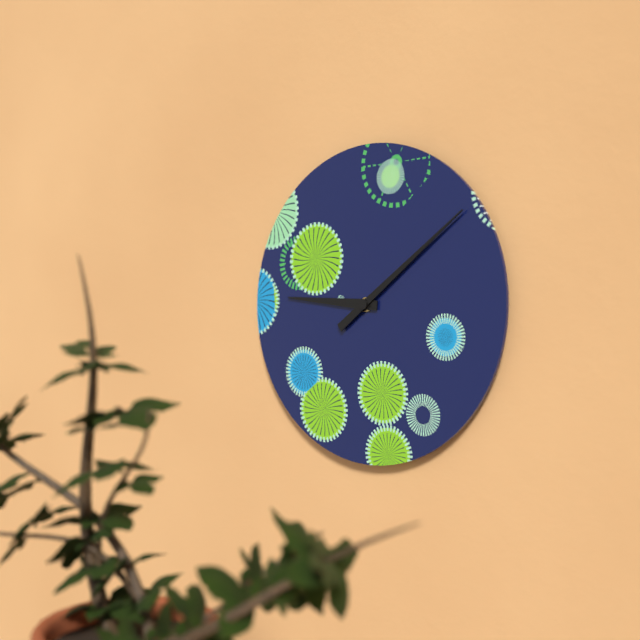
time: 9:09
